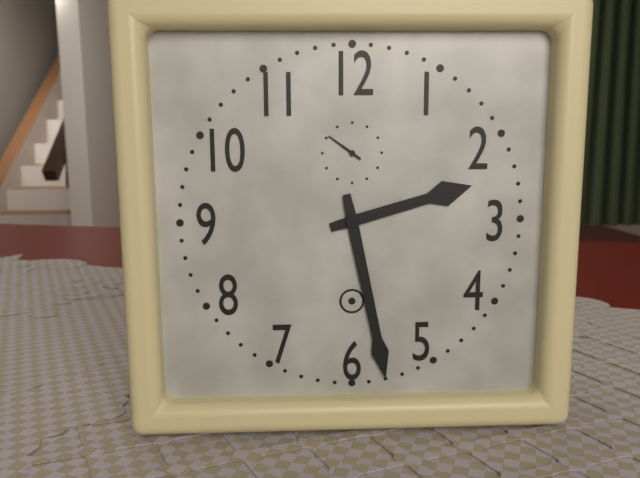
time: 2:28
